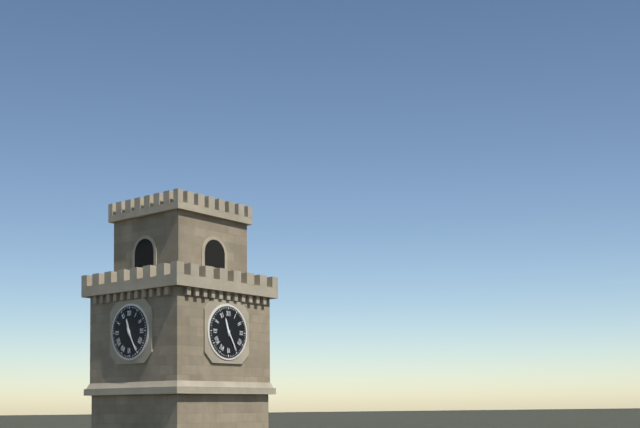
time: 11:25
